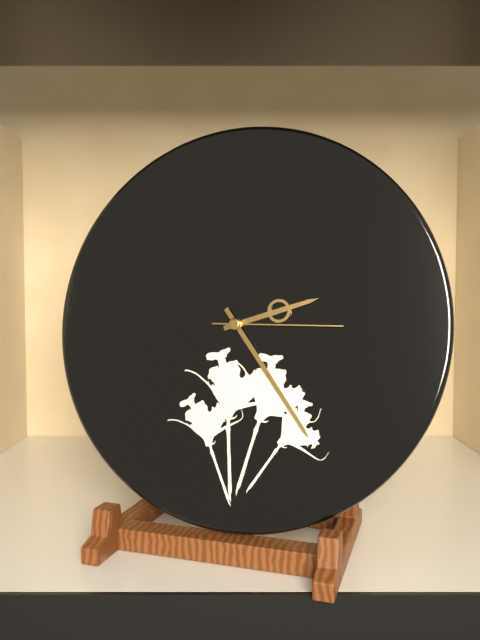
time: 2:24:15
